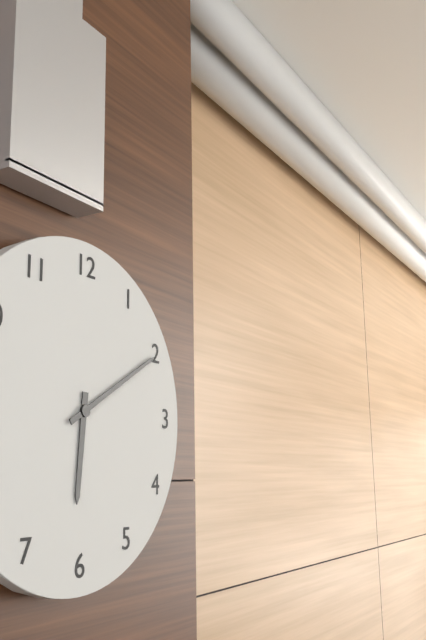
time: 6:10
